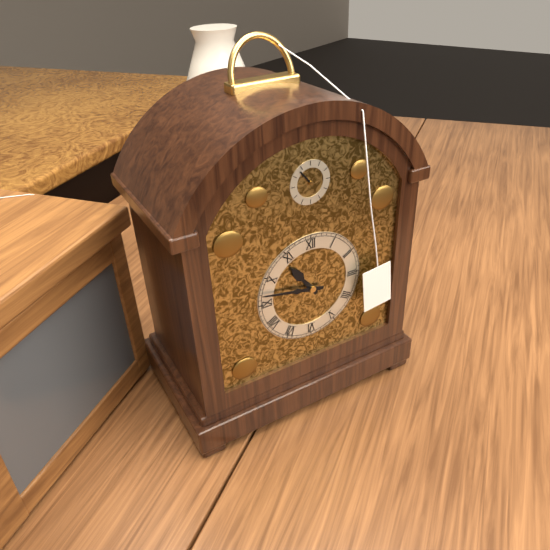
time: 10:47
